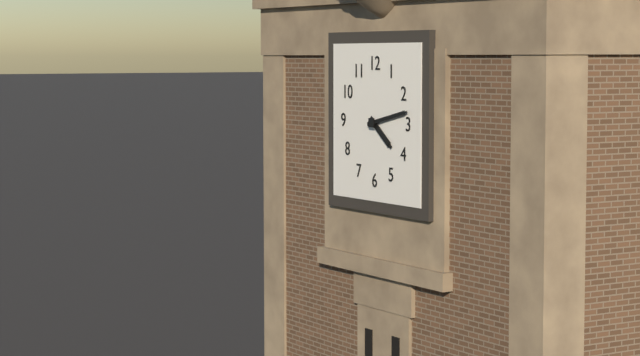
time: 4:13
